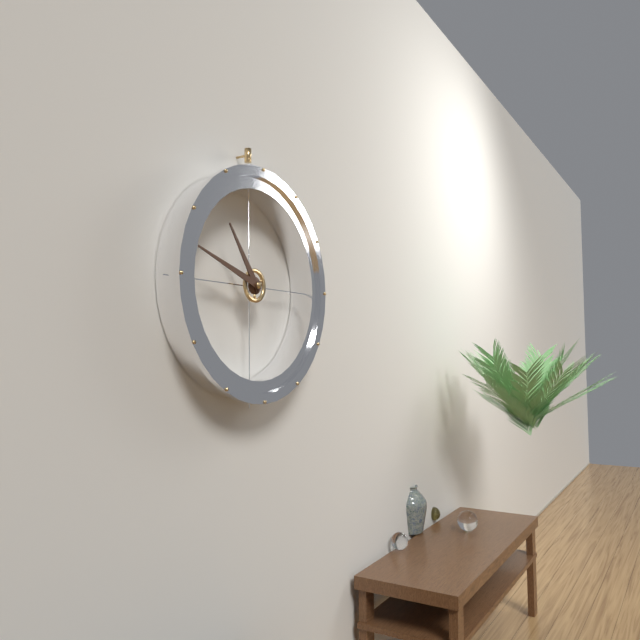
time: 10:48
